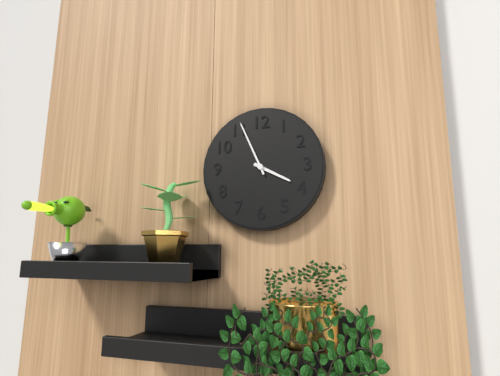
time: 3:56
